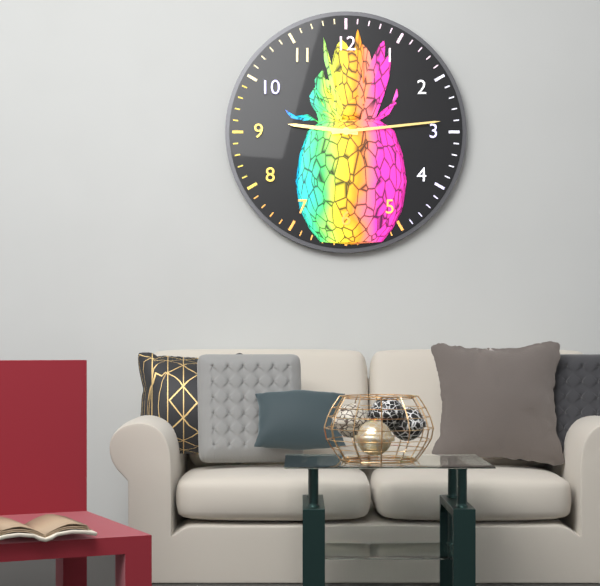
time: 9:14
